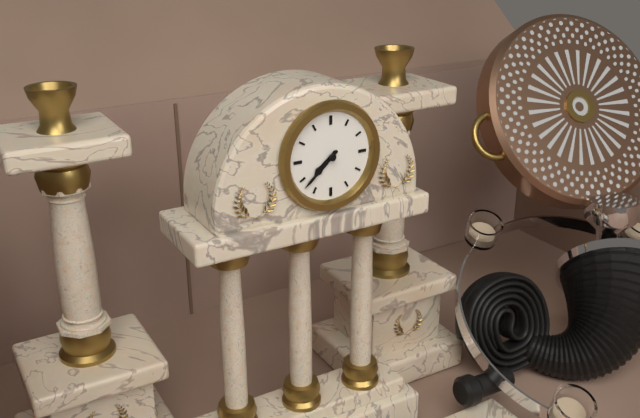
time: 7:38
